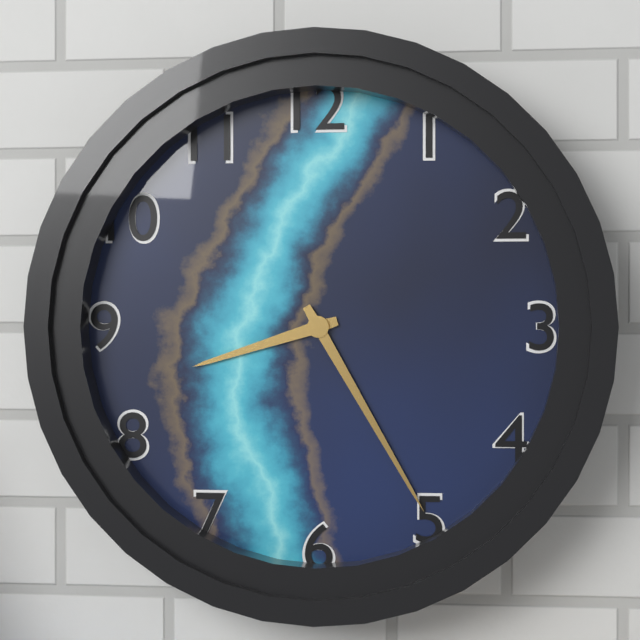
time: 8:25
